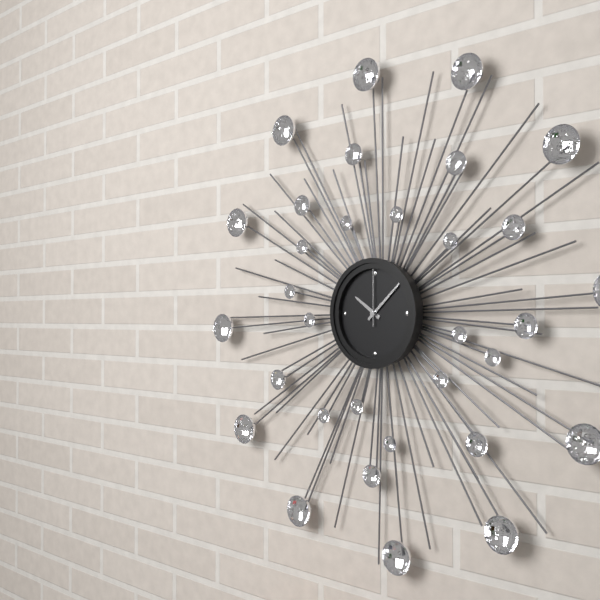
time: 10:08:00
